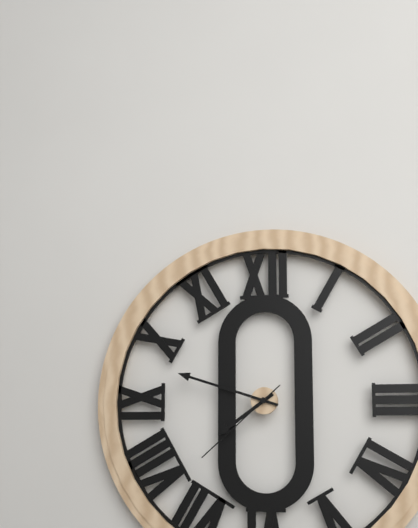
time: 7:48:38
